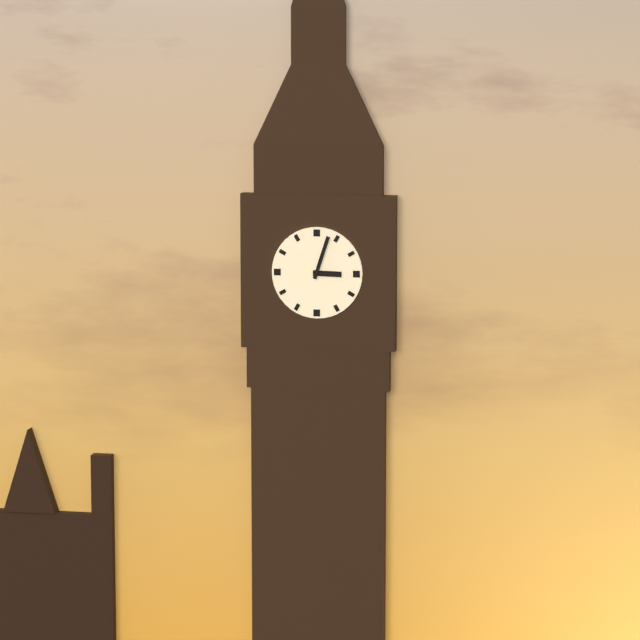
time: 3:03
